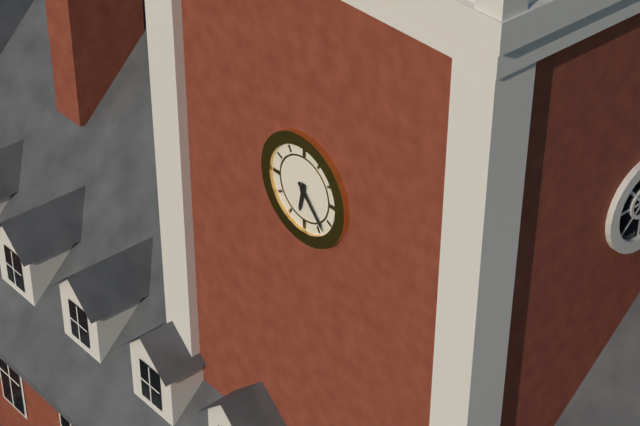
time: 6:23
